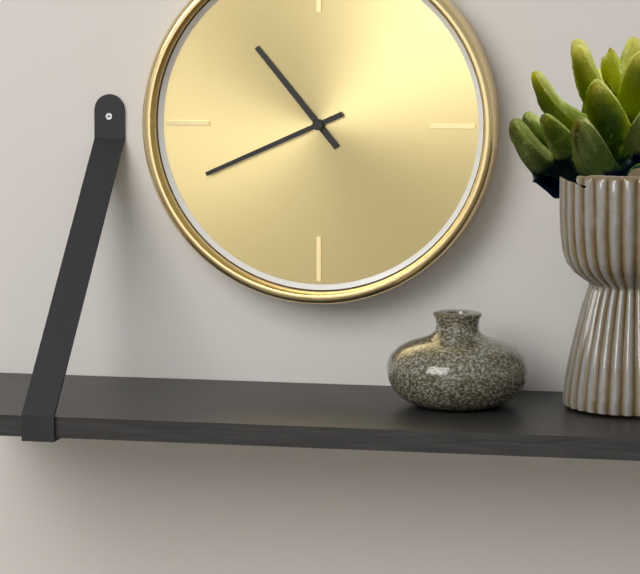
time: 10:41
